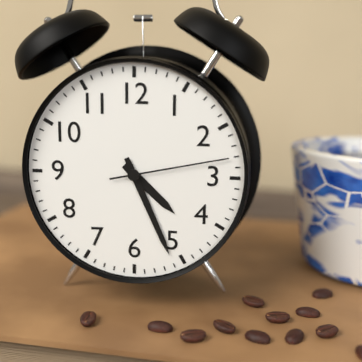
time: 4:26:13
